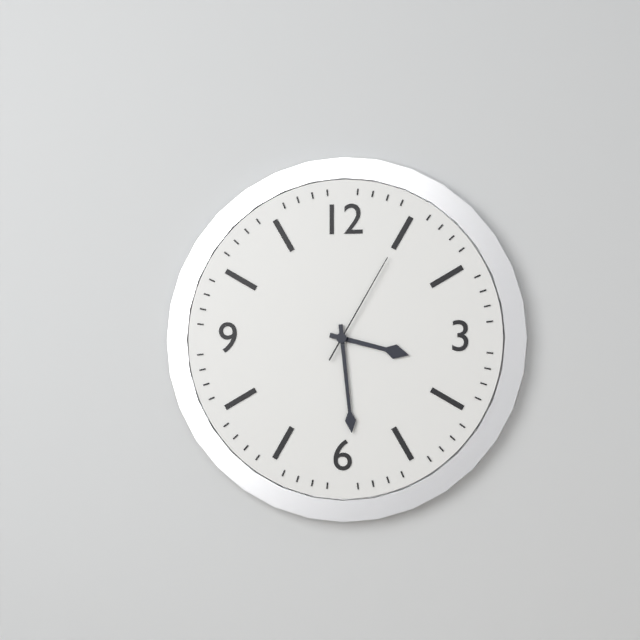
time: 3:29:05
